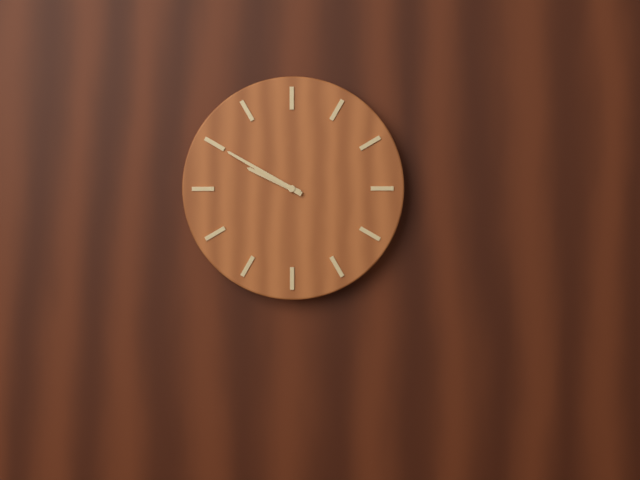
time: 9:50
